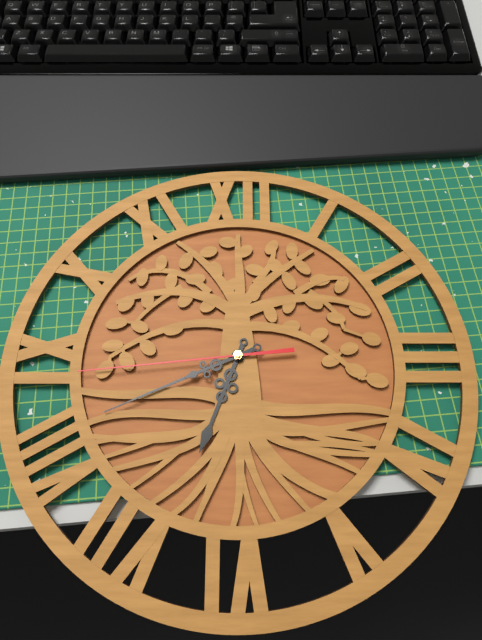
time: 6:41:44
